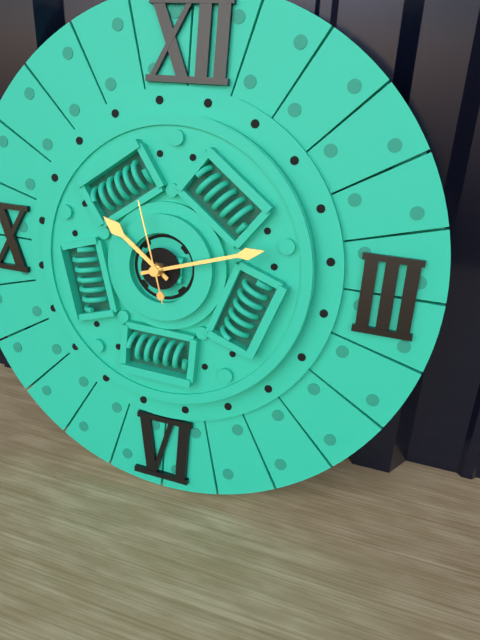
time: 10:12:57
